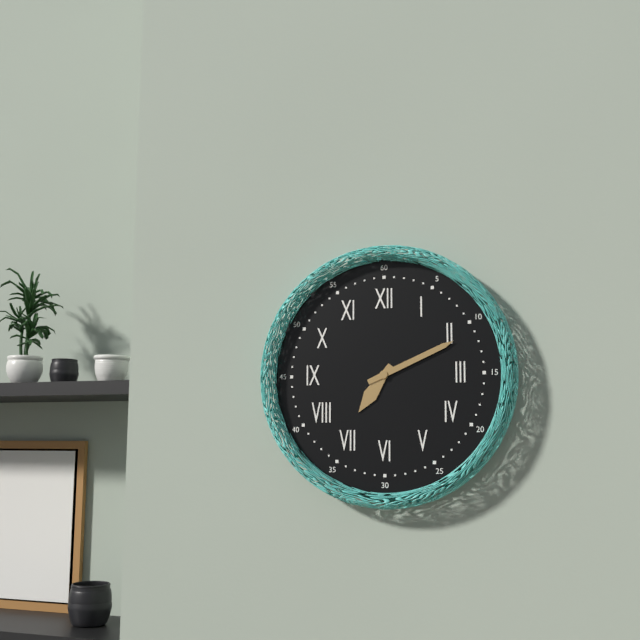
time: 7:11
